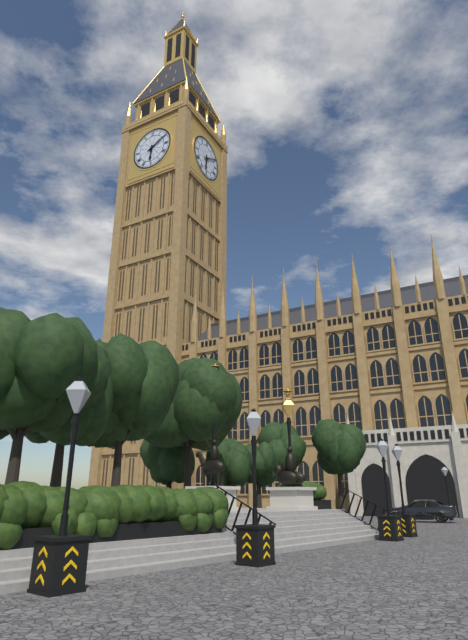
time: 6:10
